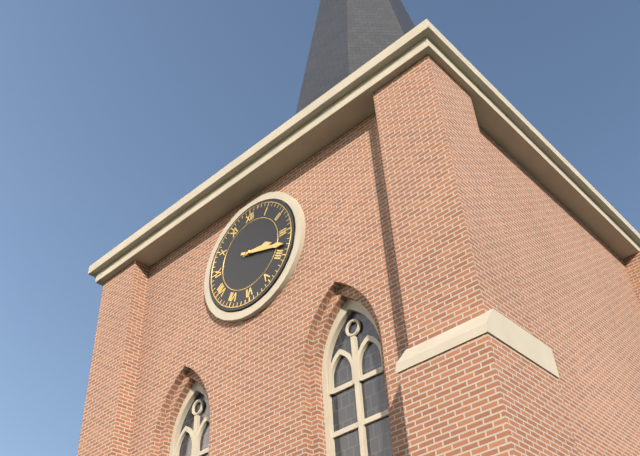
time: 3:18
